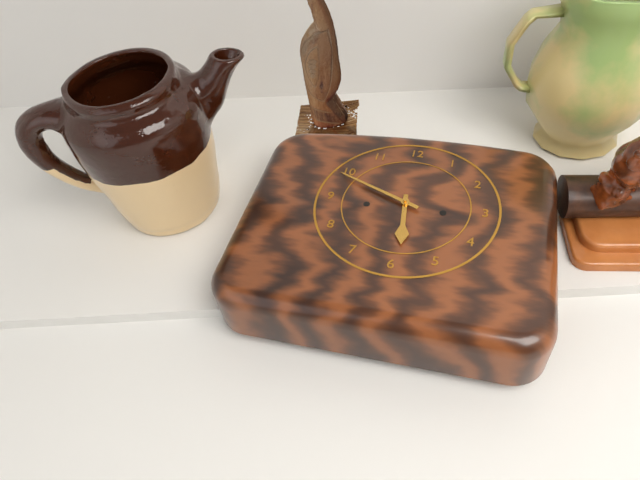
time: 5:49
